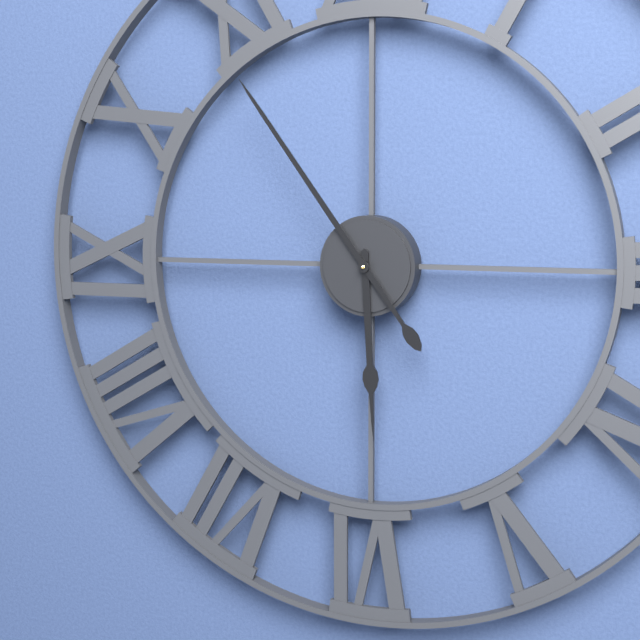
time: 5:54
